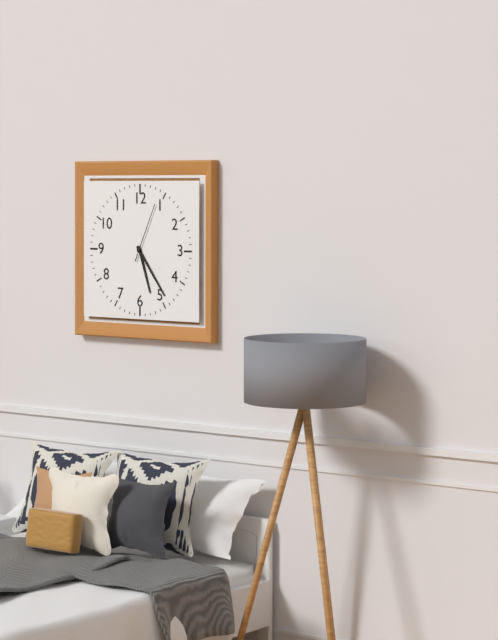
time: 5:24:04
